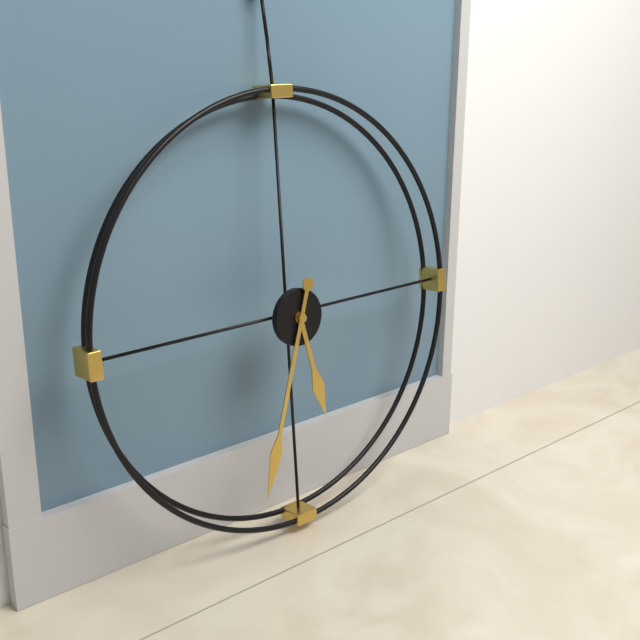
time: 5:33
